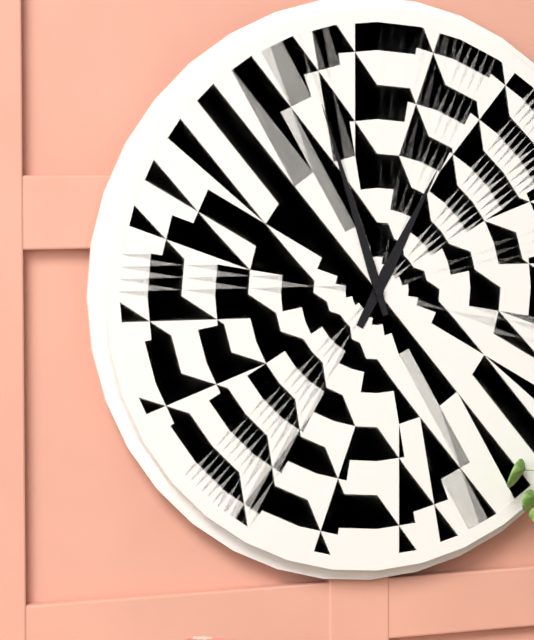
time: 12:57
